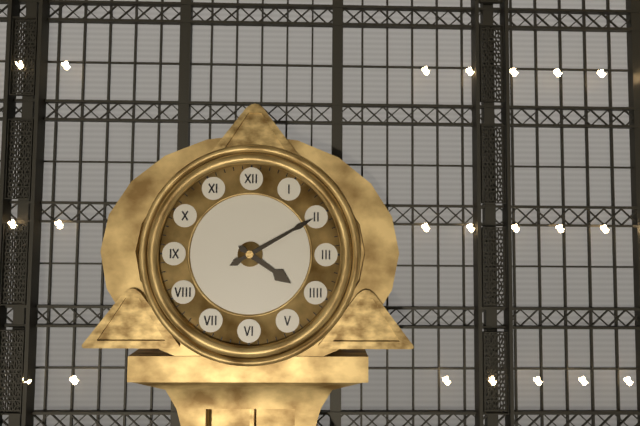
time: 4:10
